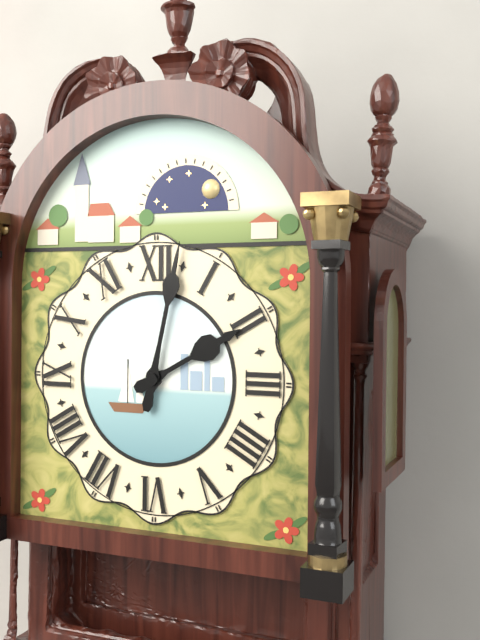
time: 2:02
